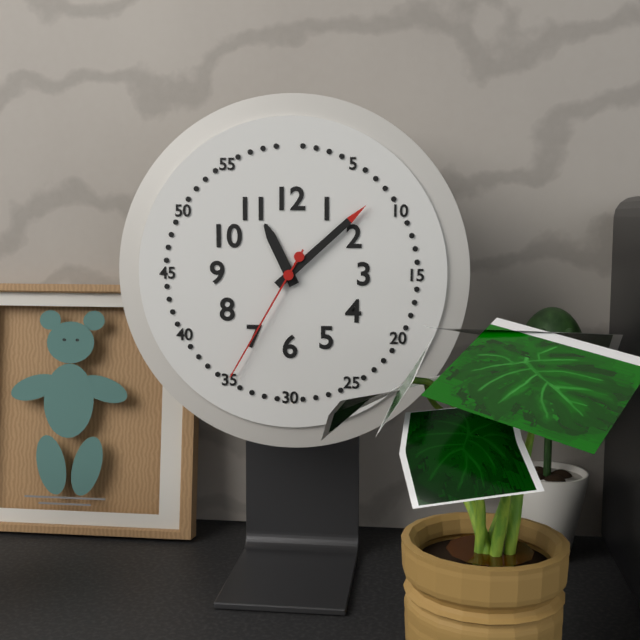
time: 11:08:35
